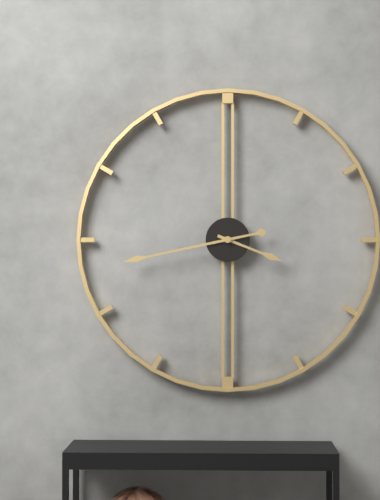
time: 3:43
